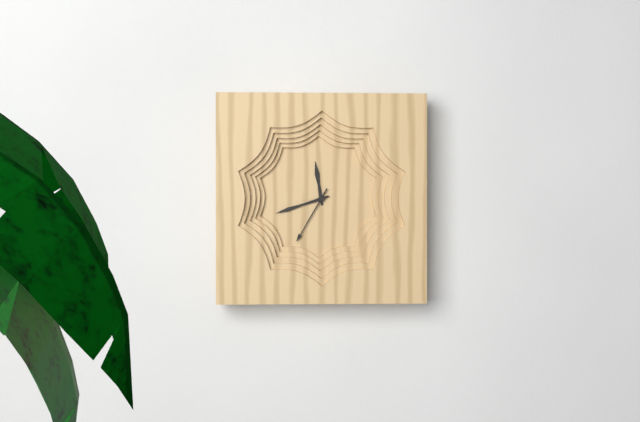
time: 11:42:35
